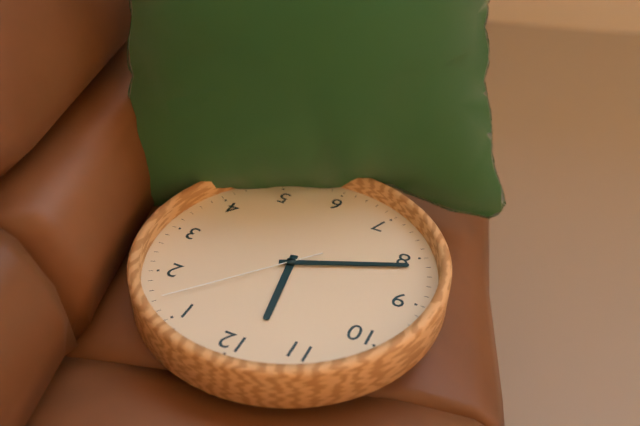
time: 11:41:07
